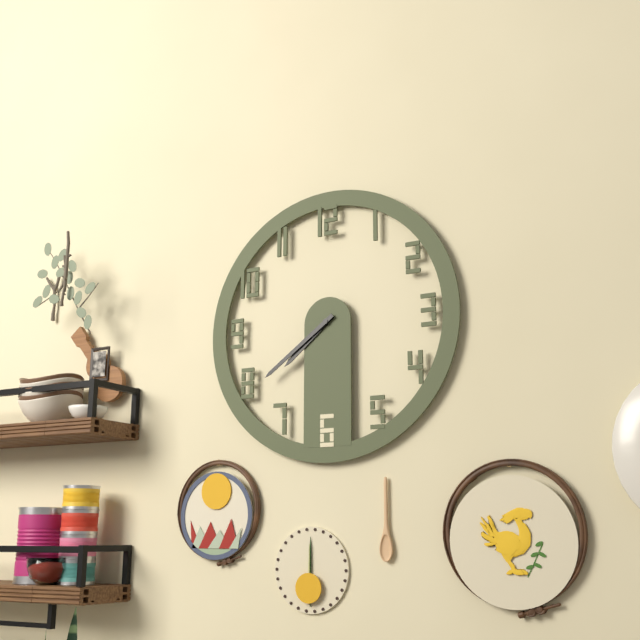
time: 7:39
